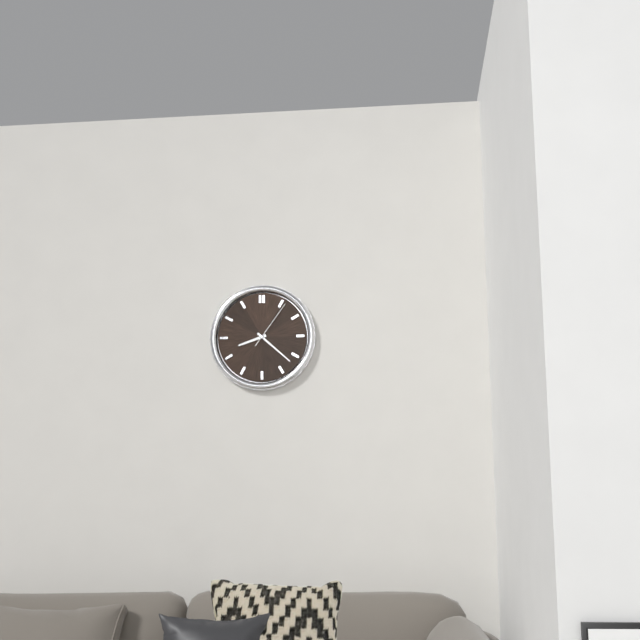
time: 8:22:06
